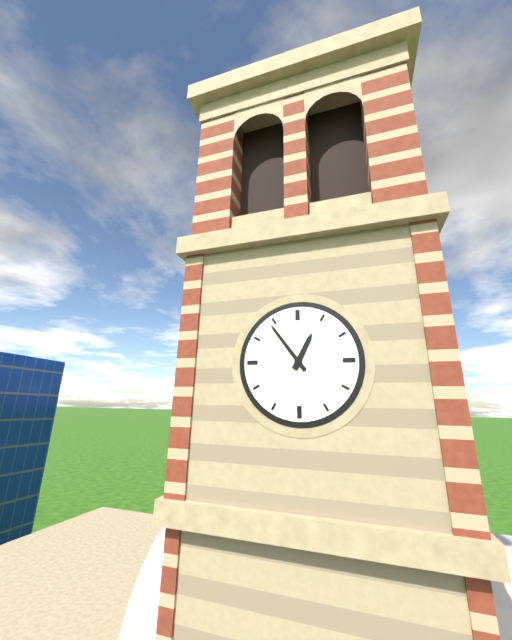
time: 12:54
